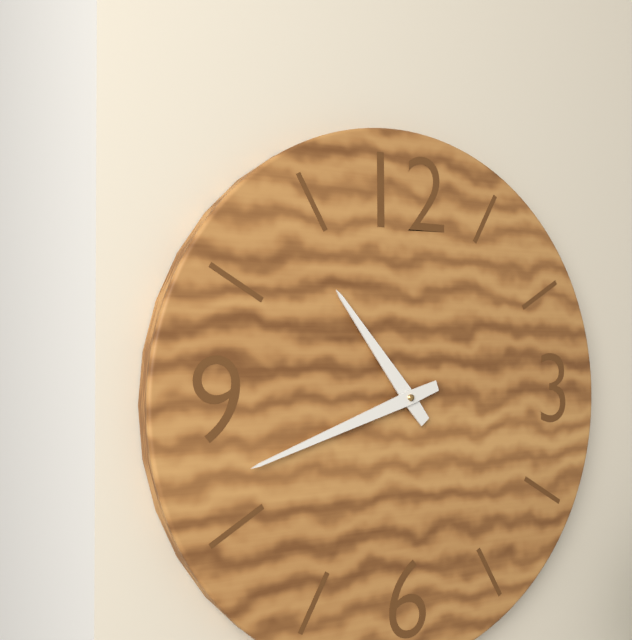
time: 10:42
